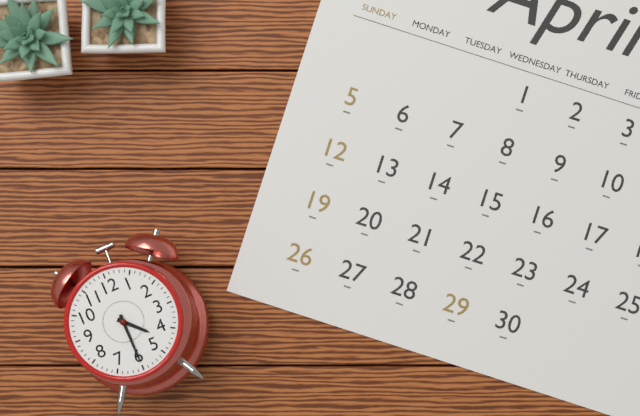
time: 4:30
